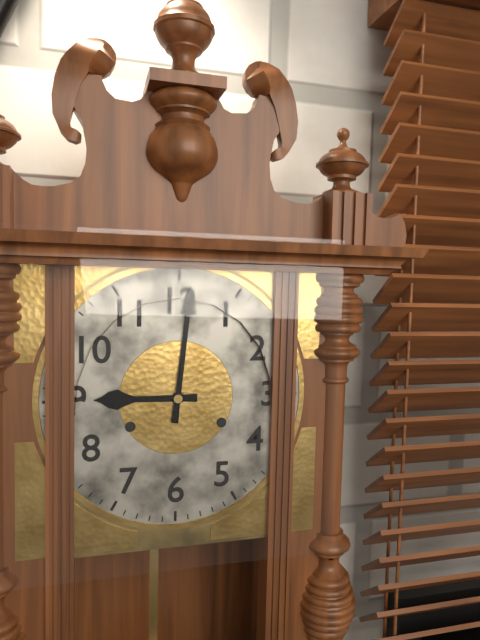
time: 9:01
